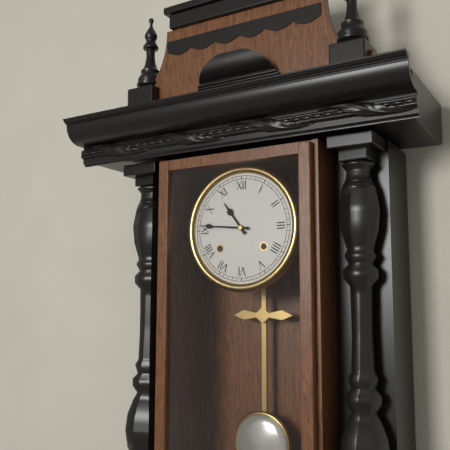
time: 10:46
